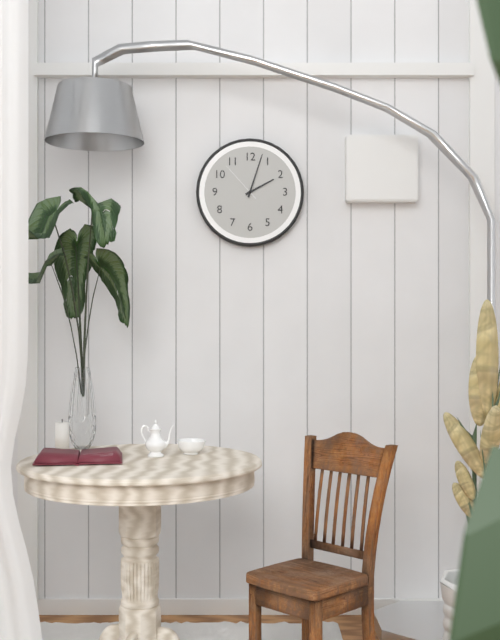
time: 2:03
